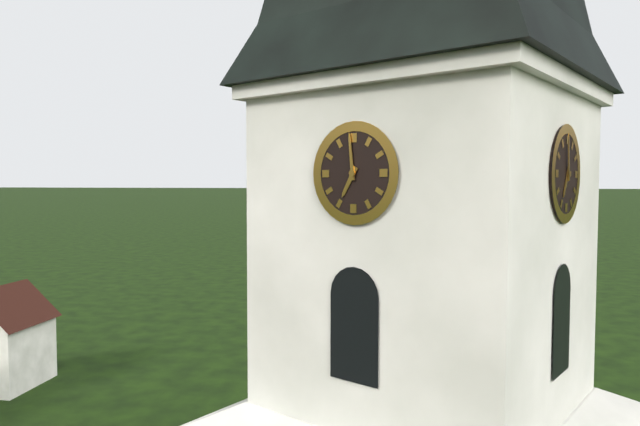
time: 6:59
